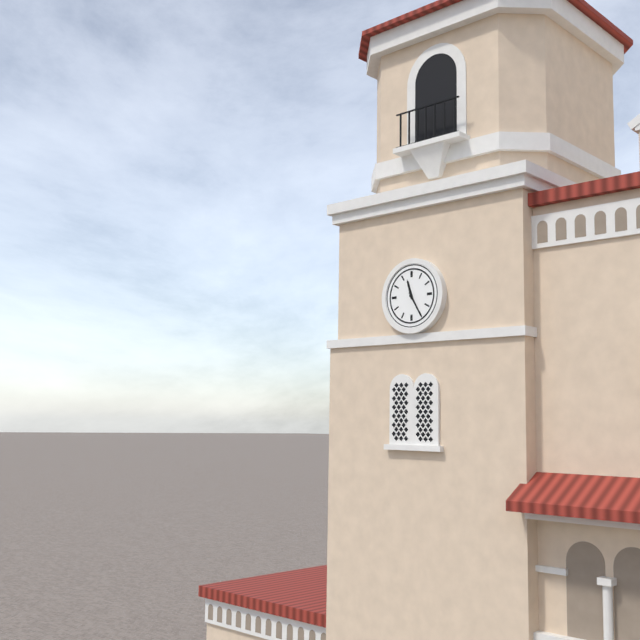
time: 11:25
